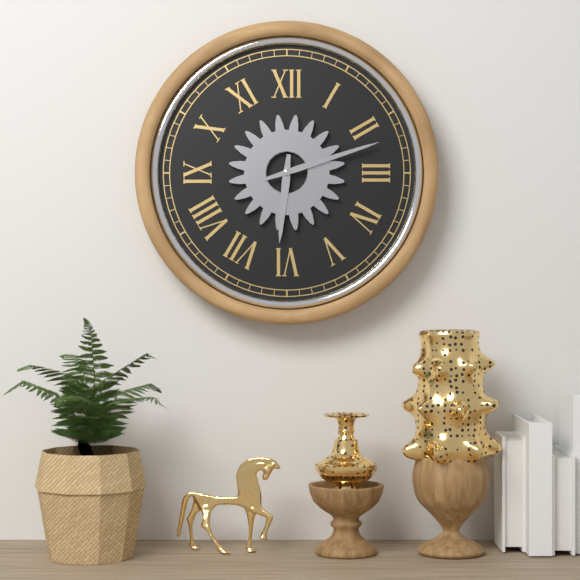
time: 6:12
